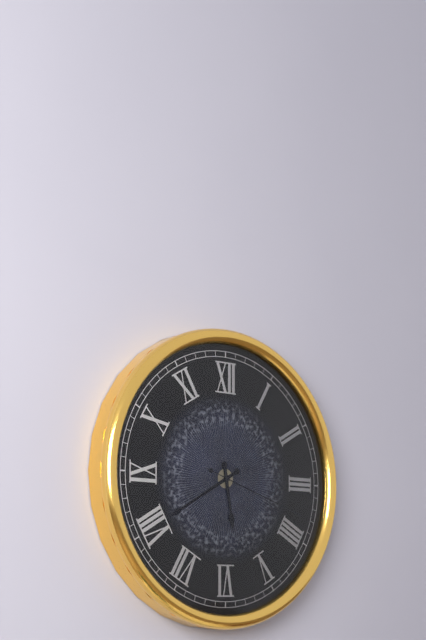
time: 5:40:18
